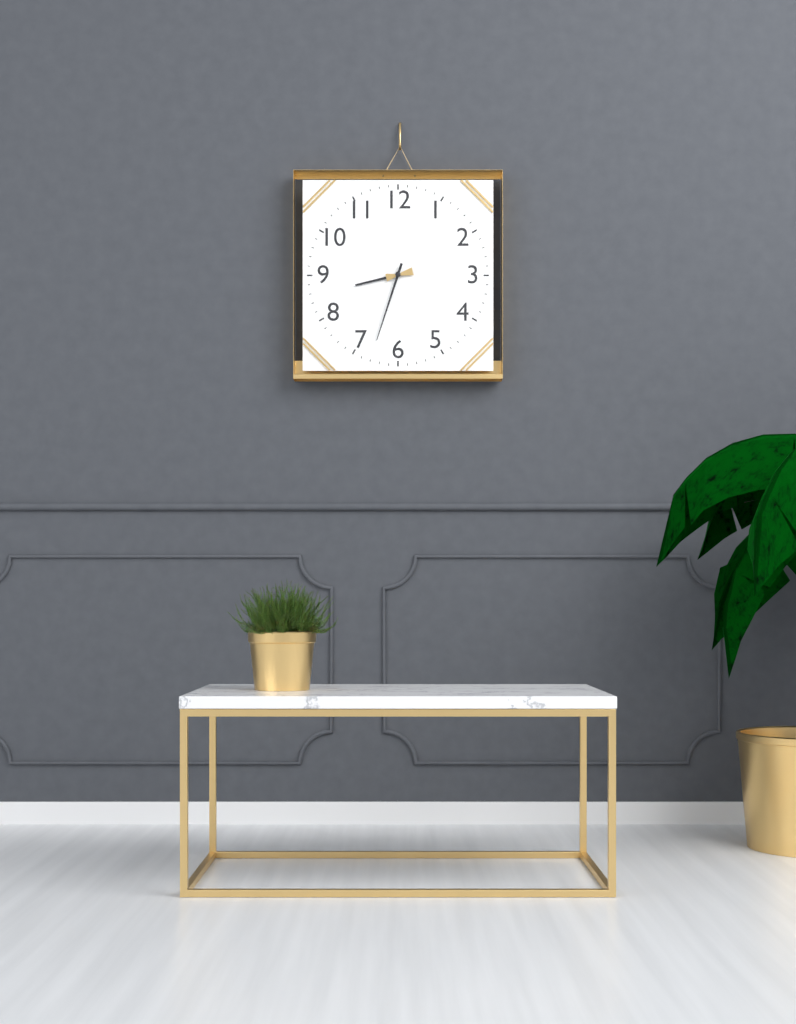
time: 8:33
